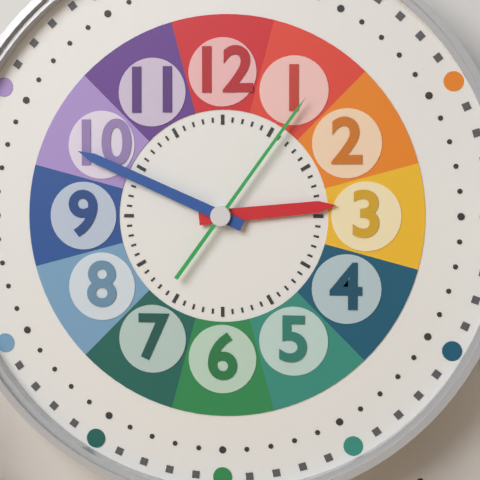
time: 2:49:06
